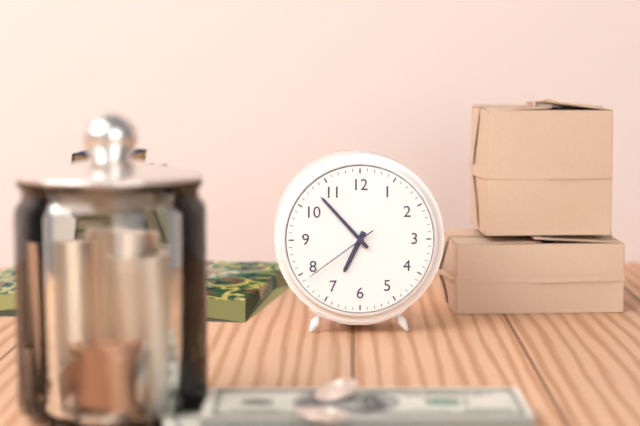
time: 6:53:39
